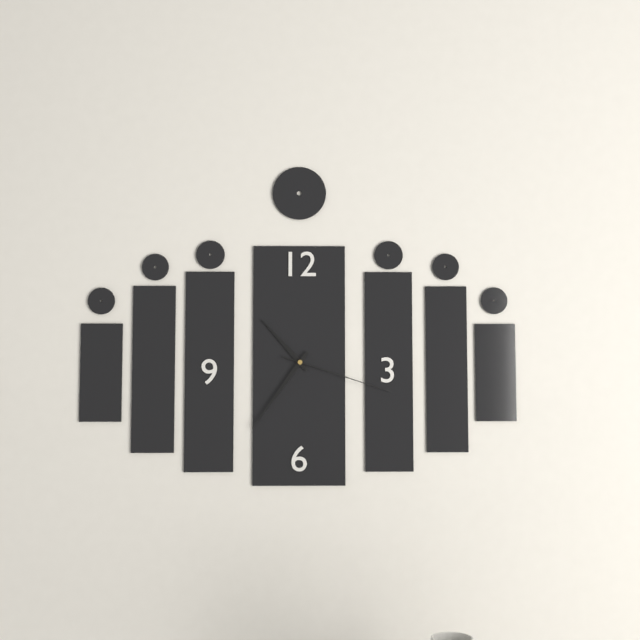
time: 10:36:18
